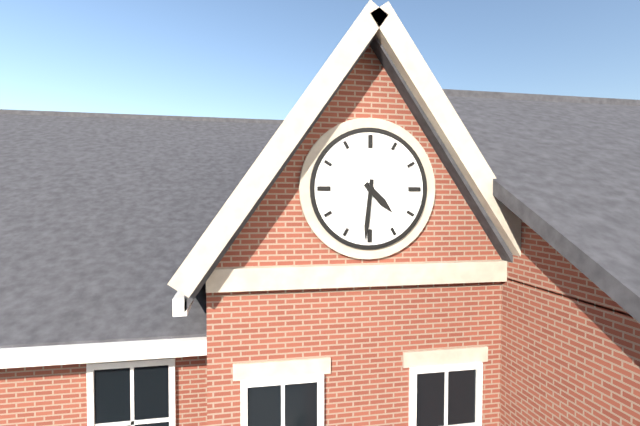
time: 4:31
